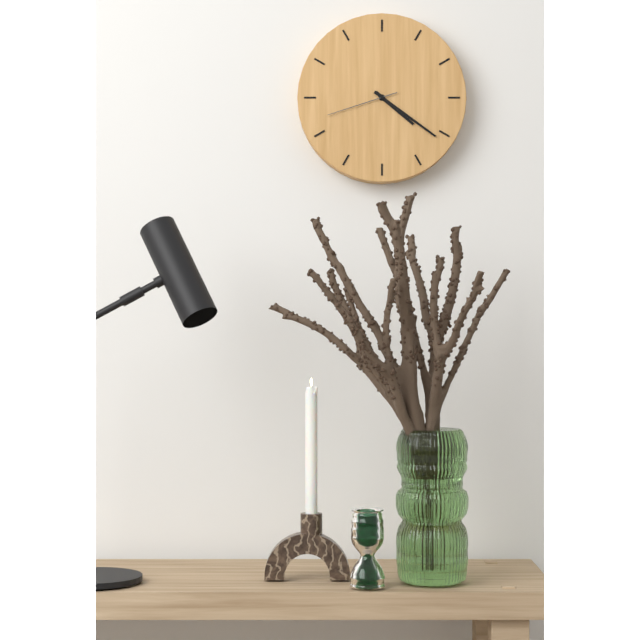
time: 4:21:42
